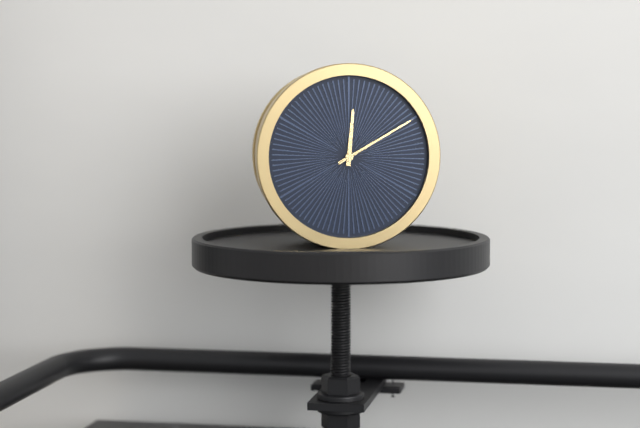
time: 12:10
